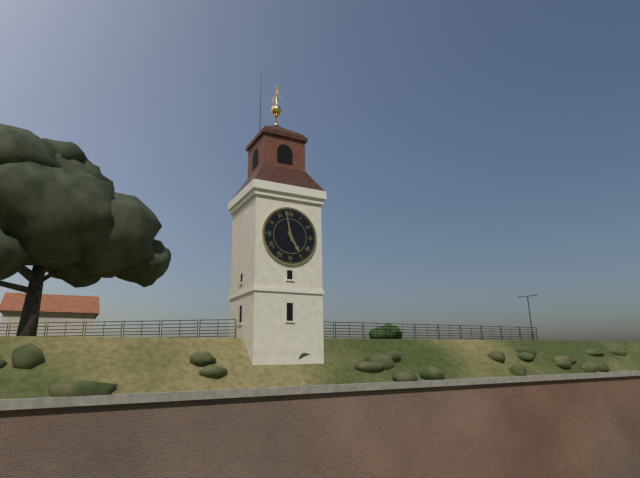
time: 4:58
